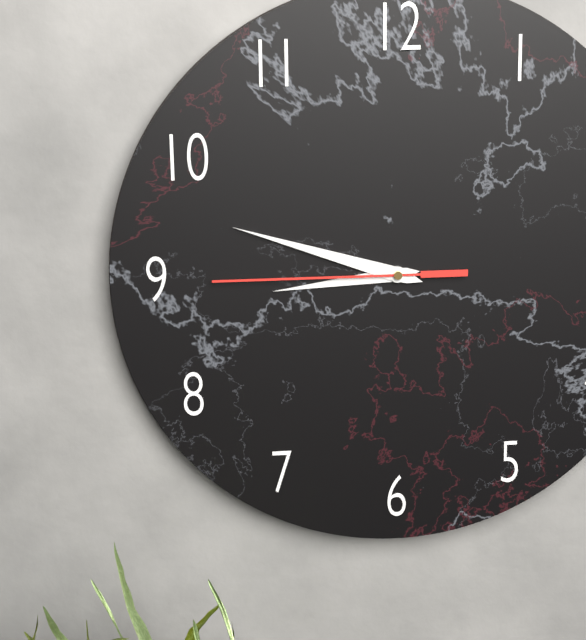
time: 8:48:45
